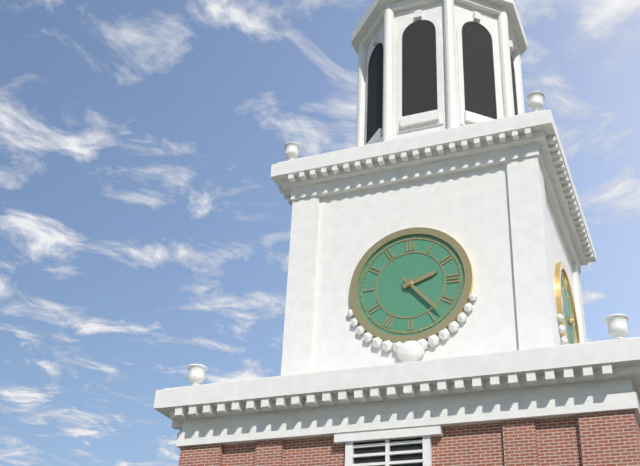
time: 2:23
